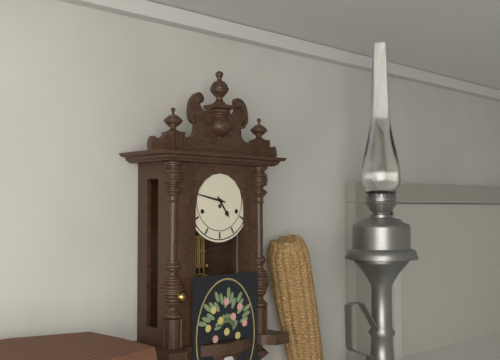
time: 4:47
